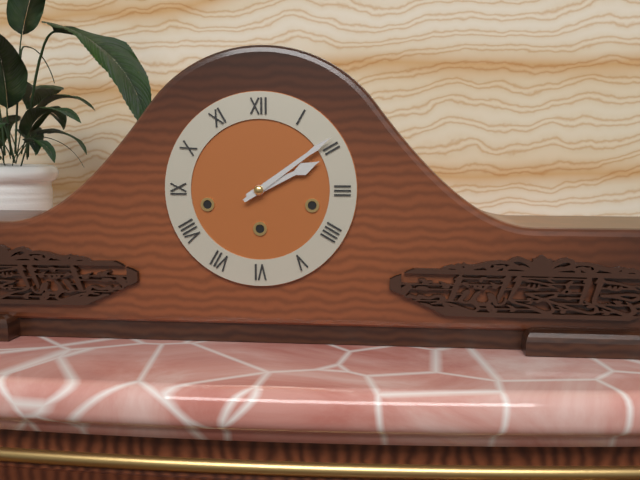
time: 2:09
